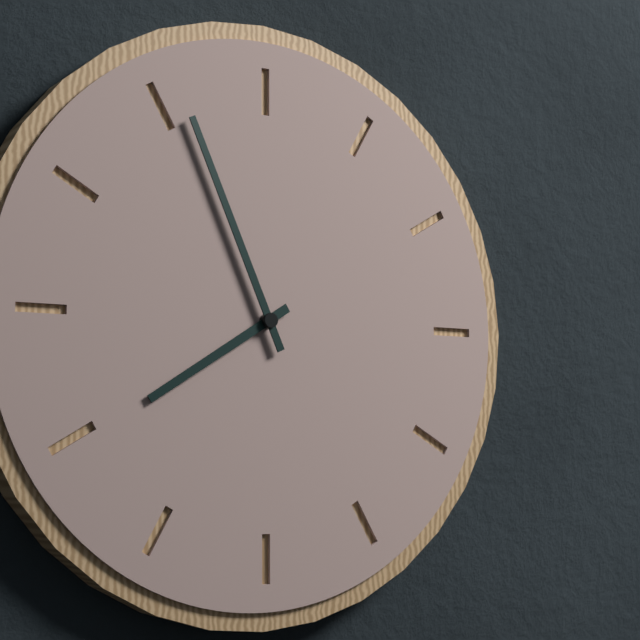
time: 7:56
